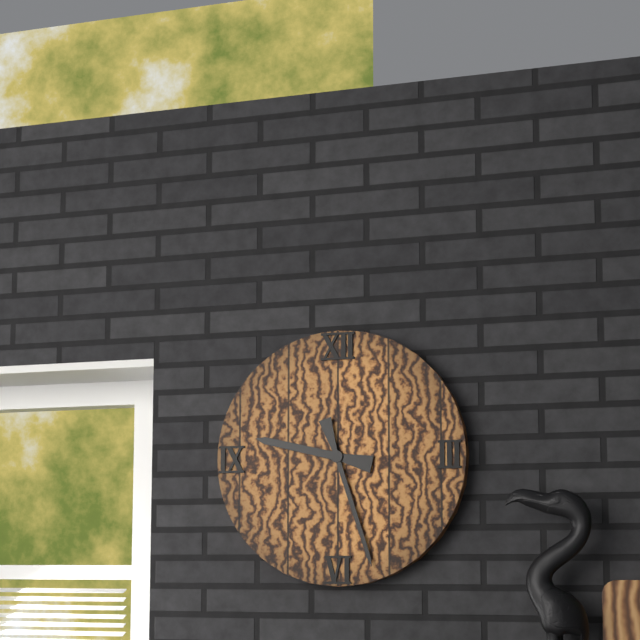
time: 9:27
